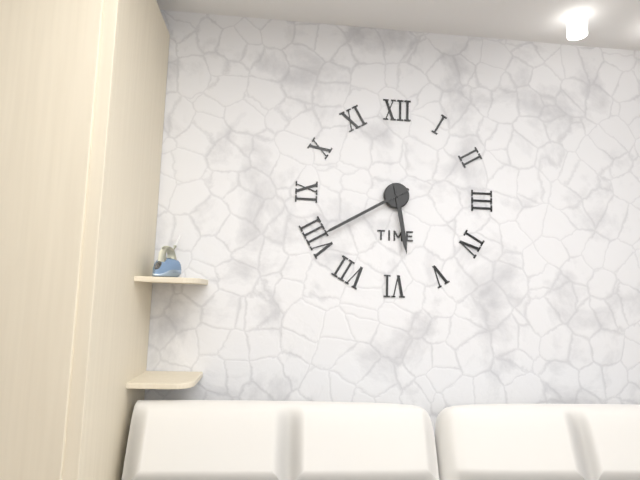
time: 5:40
